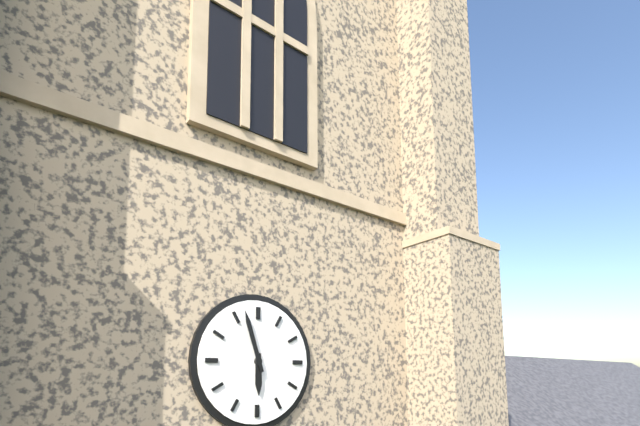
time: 5:57
